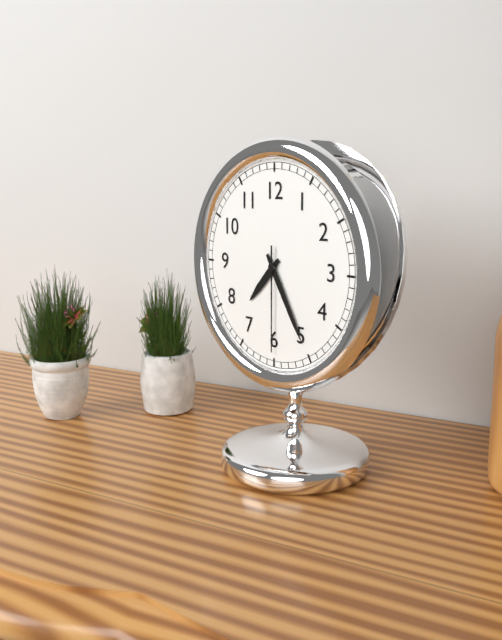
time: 7:25:30
